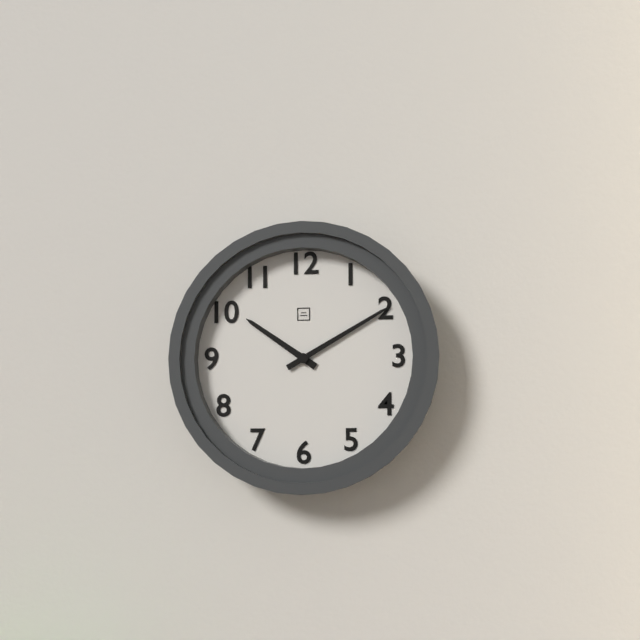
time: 10:10
